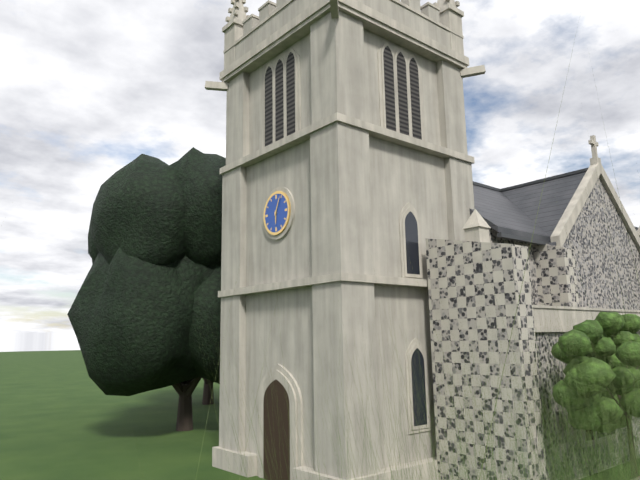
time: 6:04
